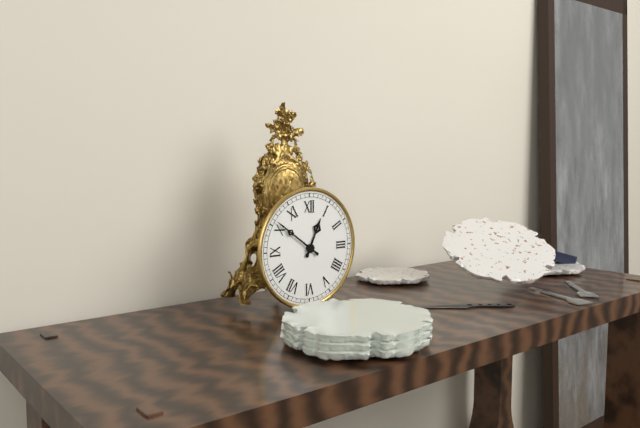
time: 12:51
